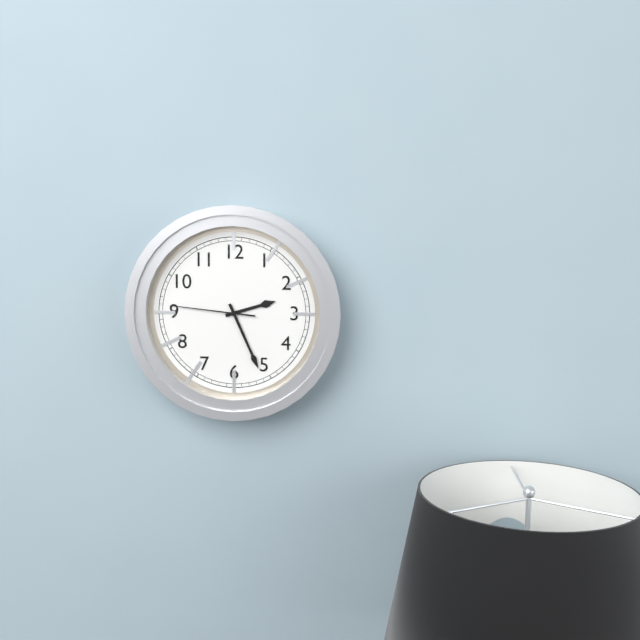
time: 2:26:46
